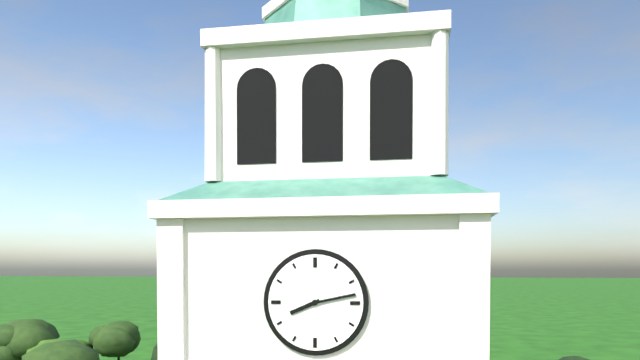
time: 8:13
